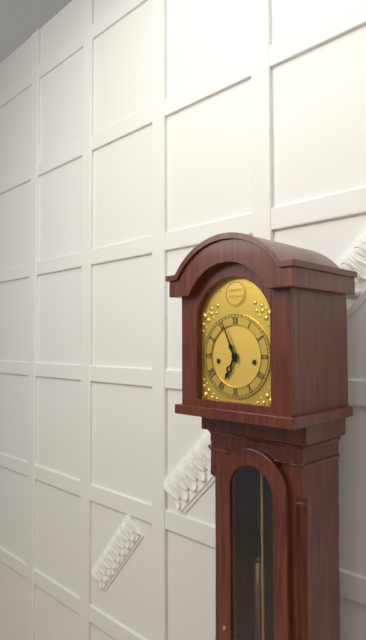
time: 6:56
